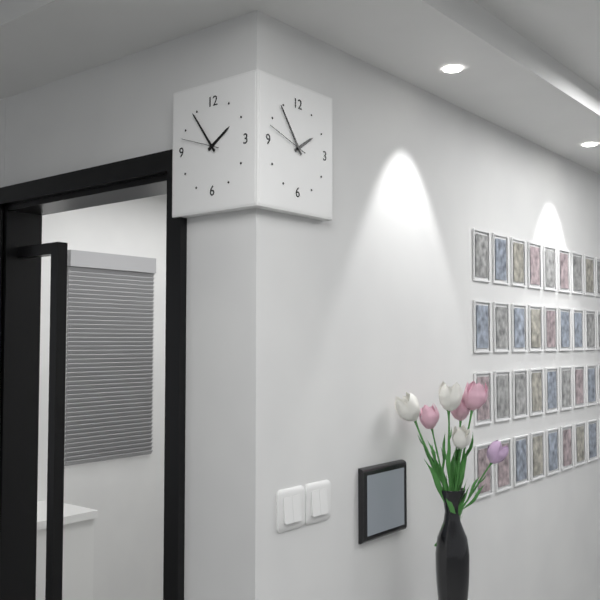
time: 1:54
